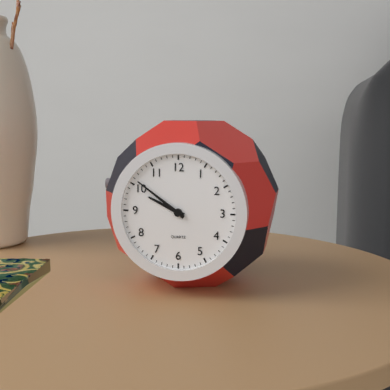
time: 9:51
